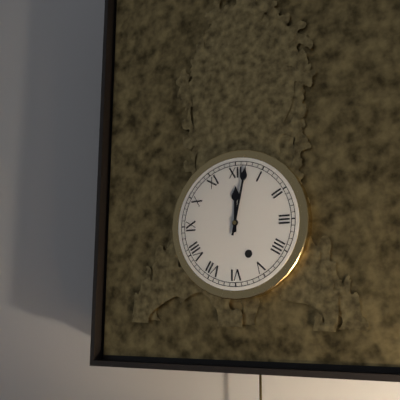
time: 12:02
